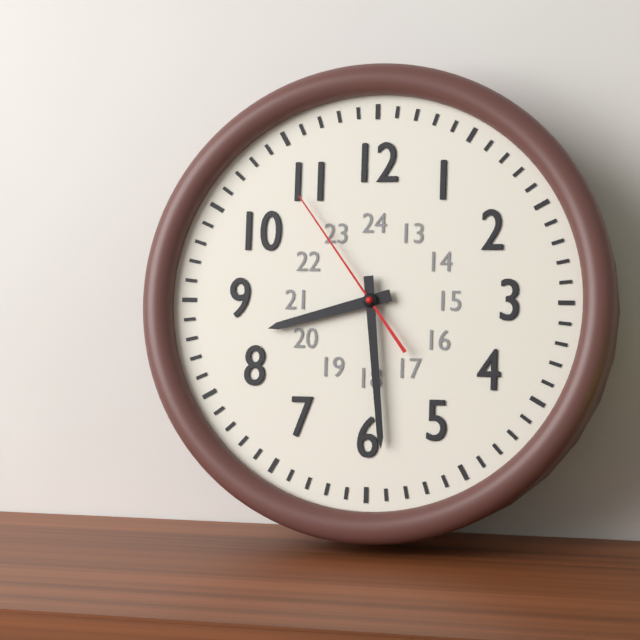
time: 8:29:54
